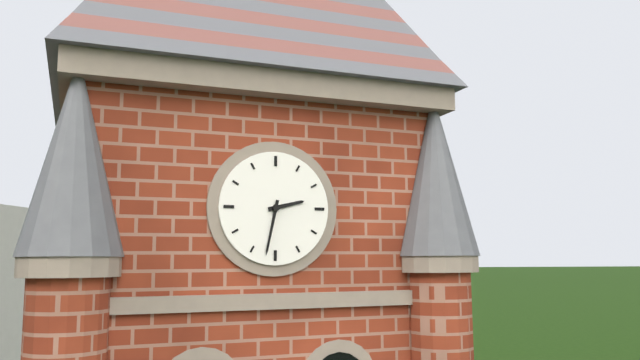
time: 2:32
